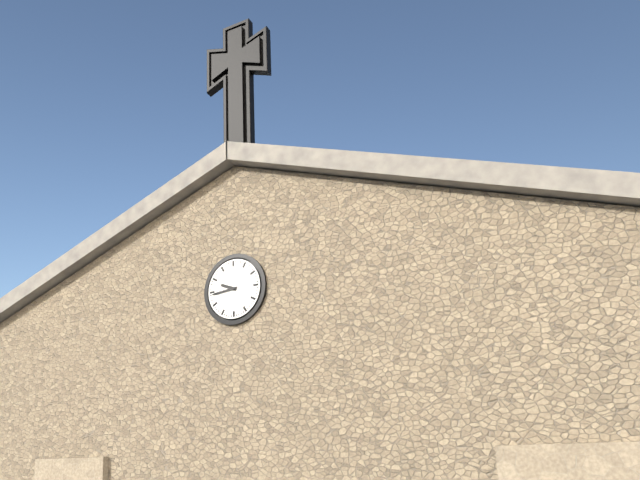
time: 9:44
